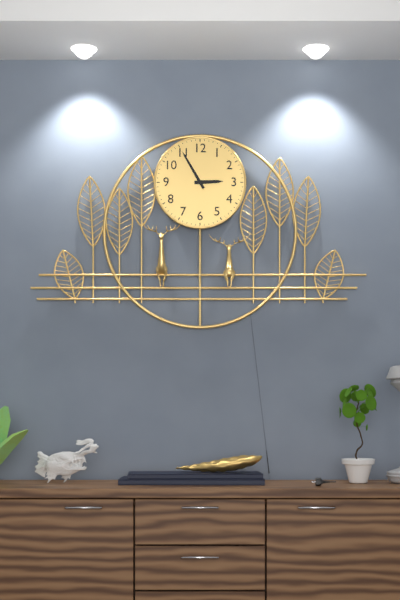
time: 2:55
